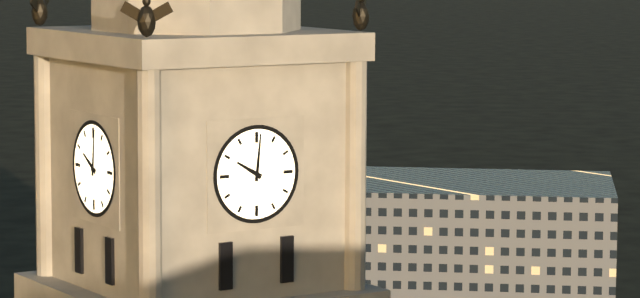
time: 10:01
